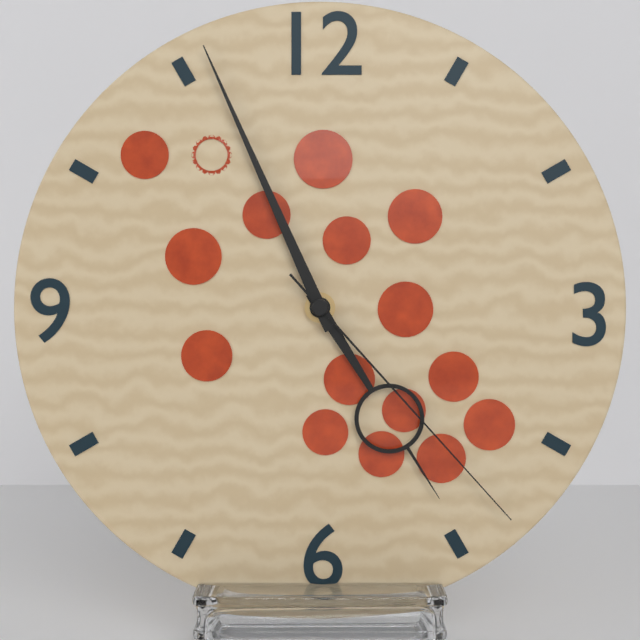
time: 4:56:23
